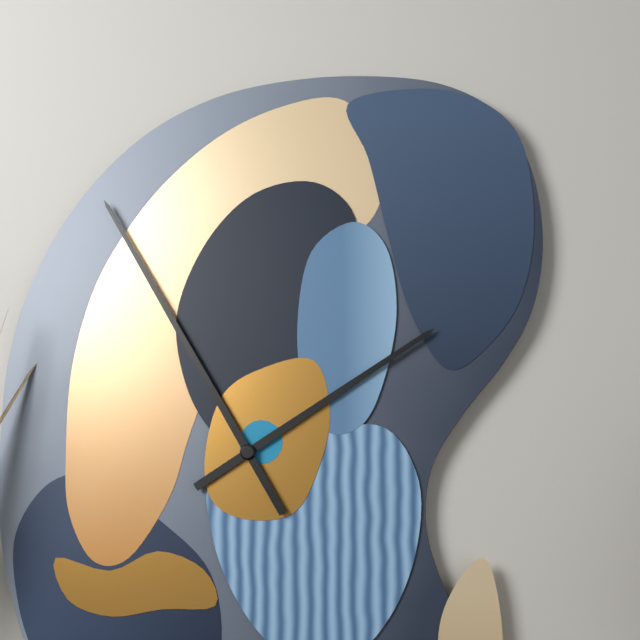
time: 1:55
